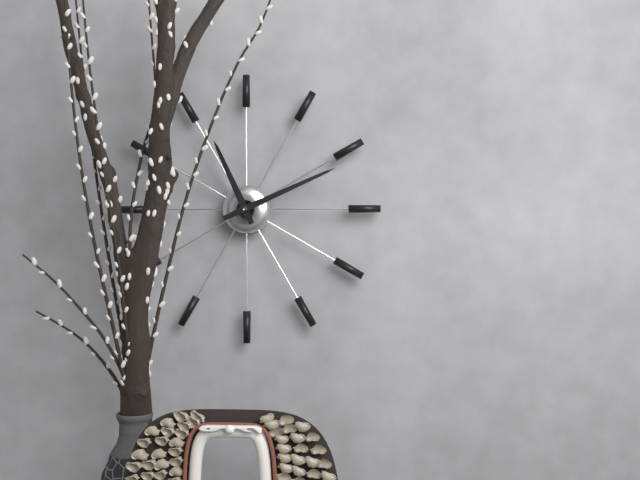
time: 11:11
